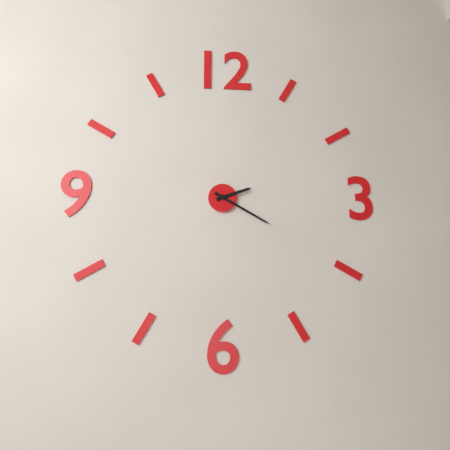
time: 2:20
